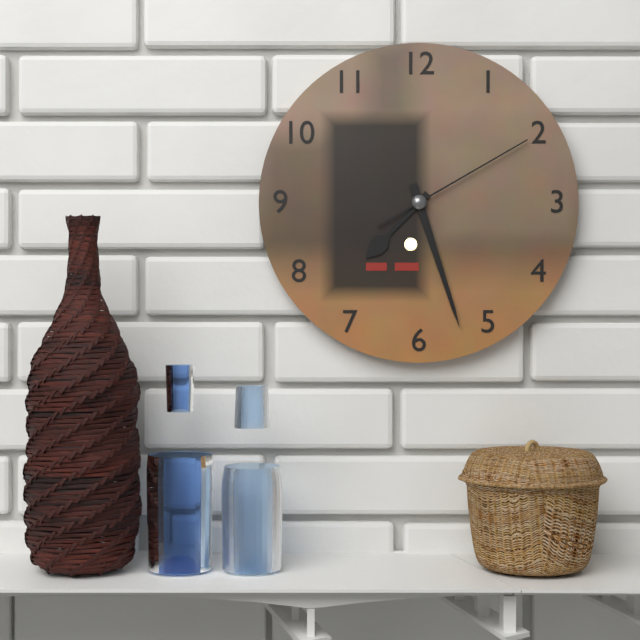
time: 7:27:10
